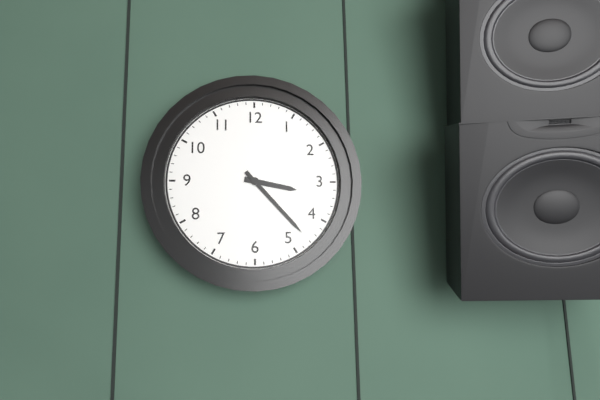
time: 3:23
